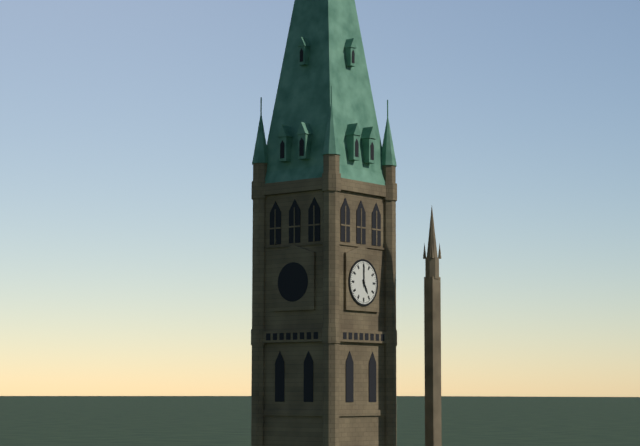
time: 5:00
